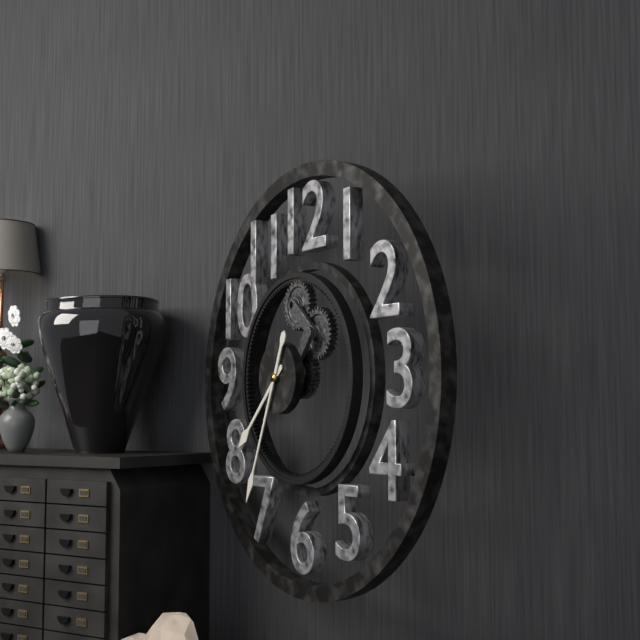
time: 7:34
